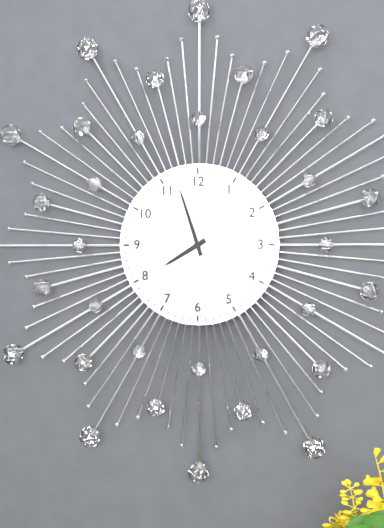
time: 7:57
